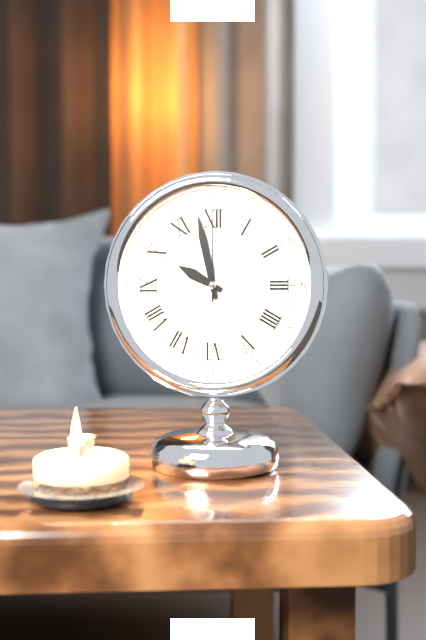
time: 9:58:00
